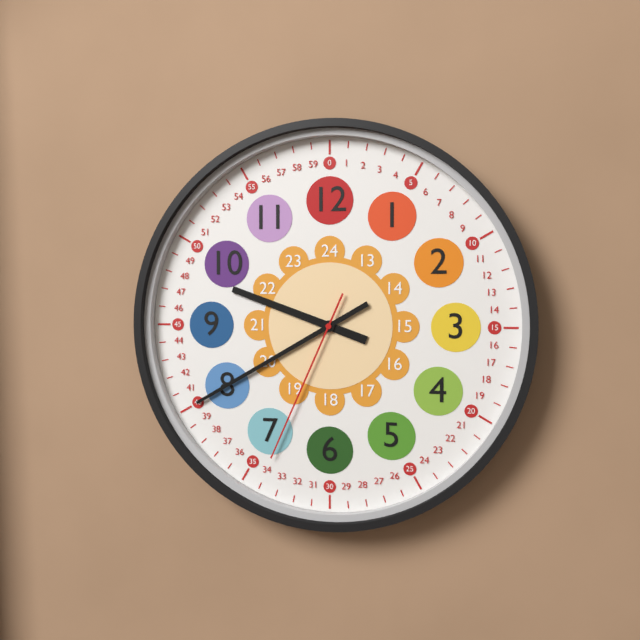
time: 9:40:34
